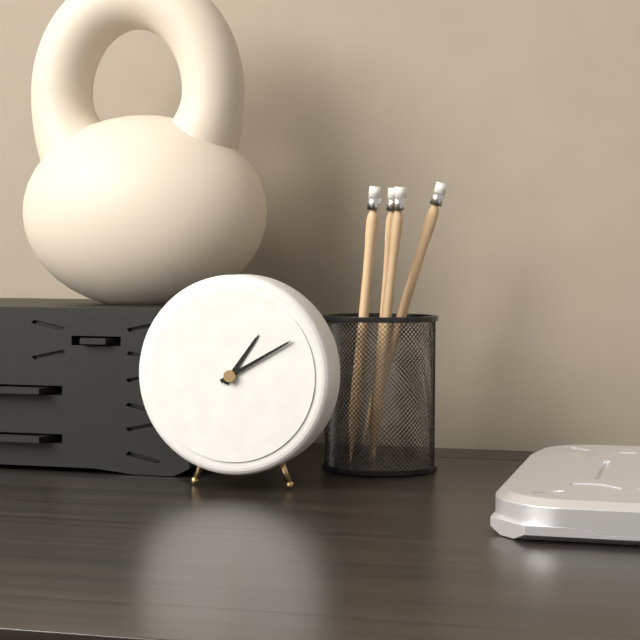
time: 1:10
